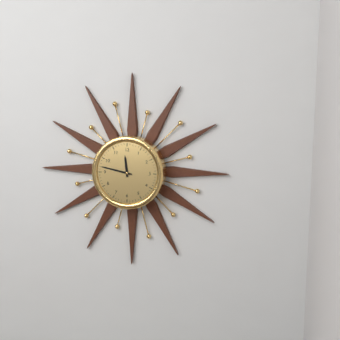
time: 11:47
